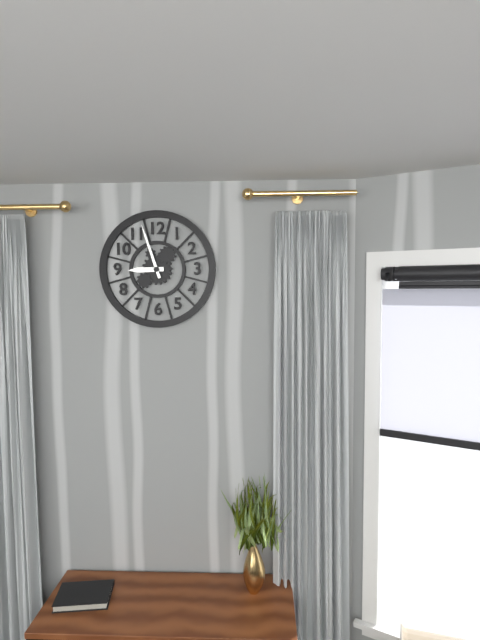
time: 8:57
